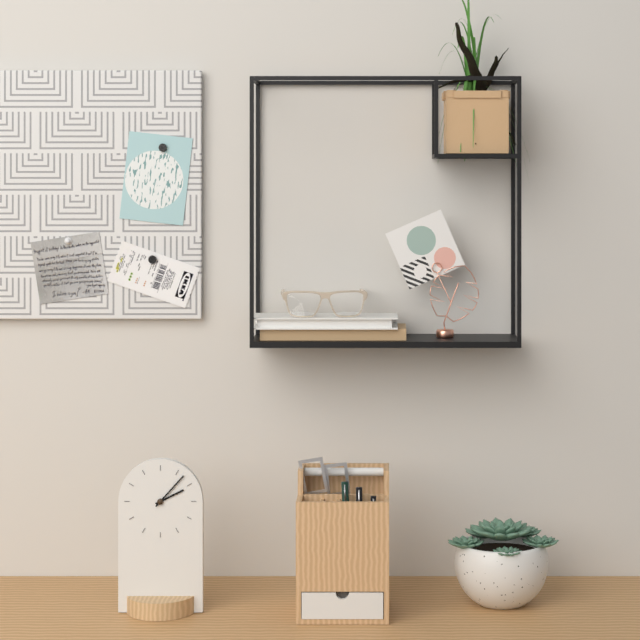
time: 2:07
